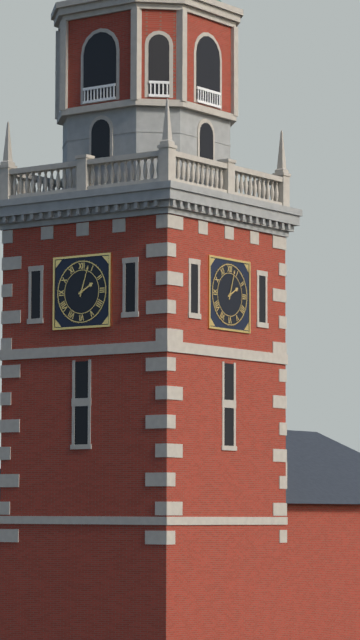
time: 2:03
